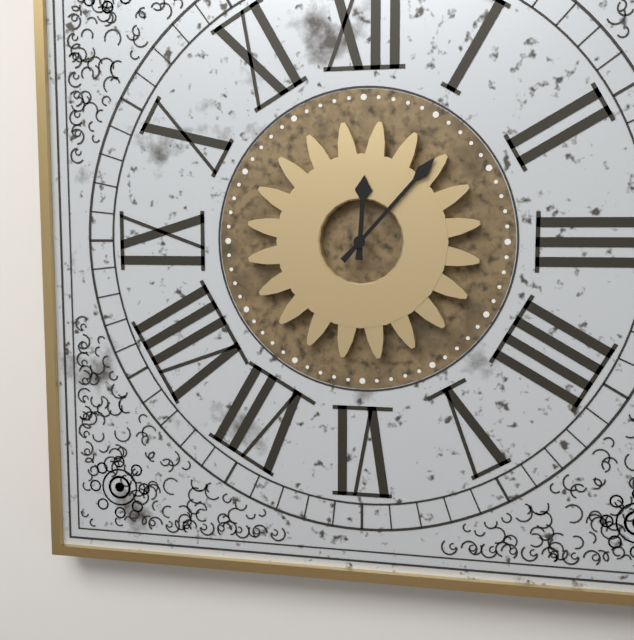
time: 12:07
